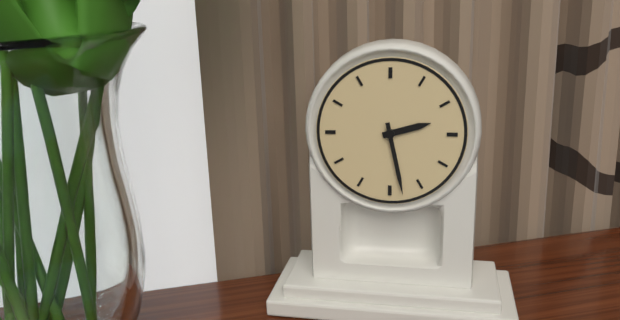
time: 2:28
